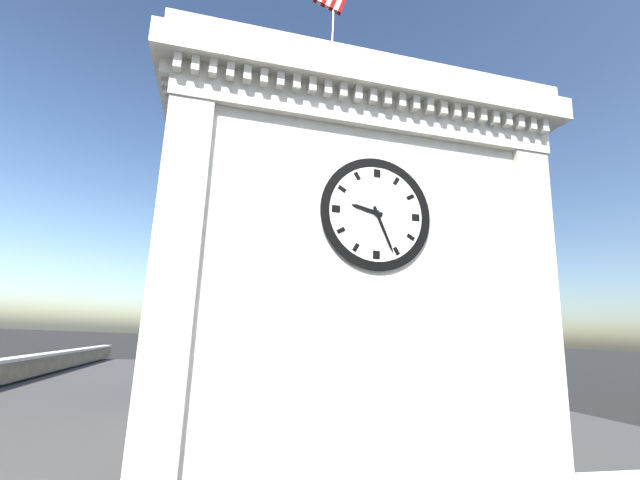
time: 9:26
